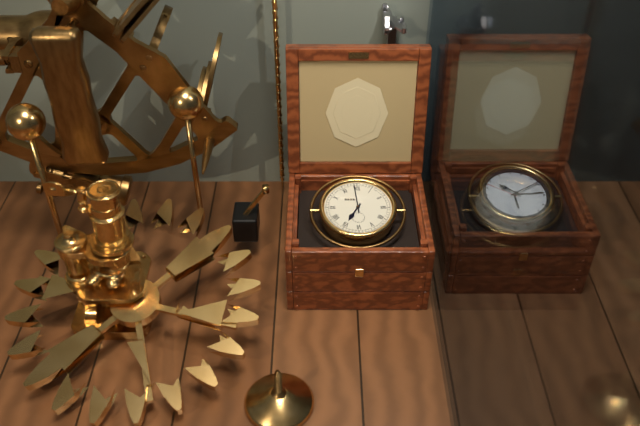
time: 6:59
